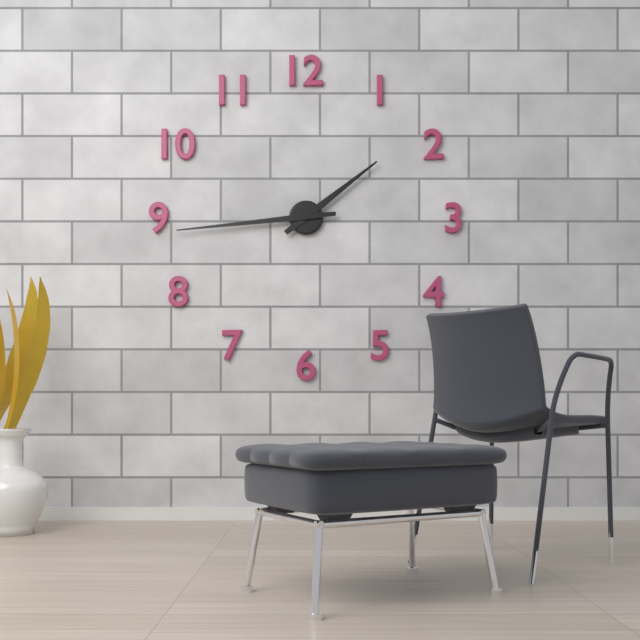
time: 1:44
